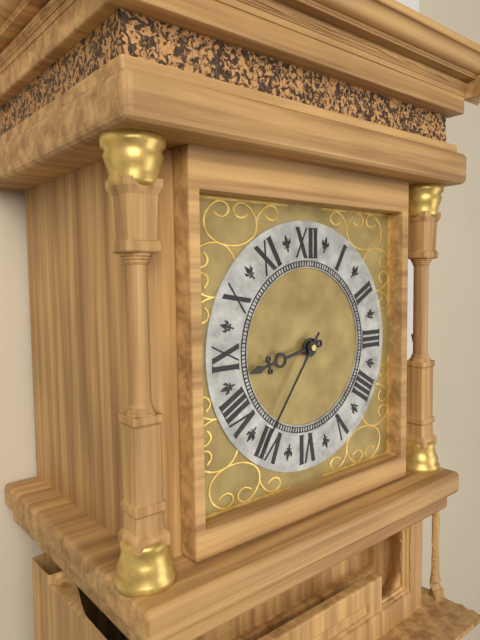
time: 8:36
